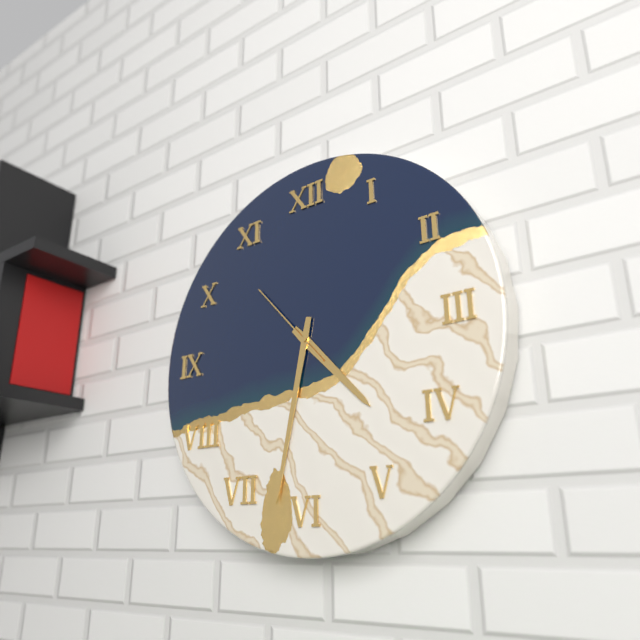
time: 4:32:53
